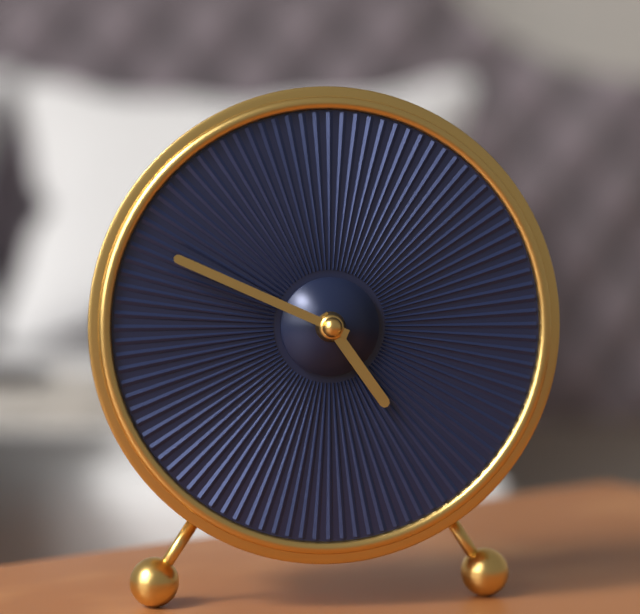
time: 4:49
